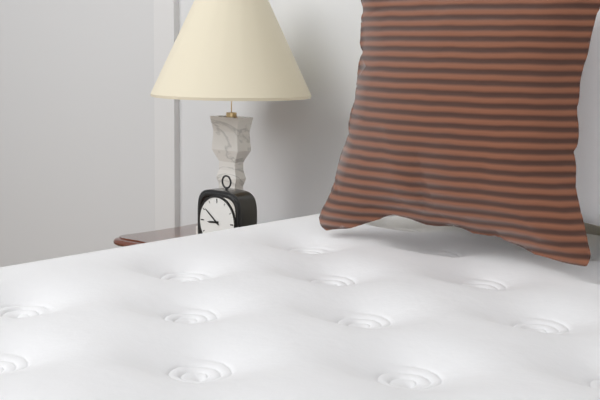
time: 8:51
